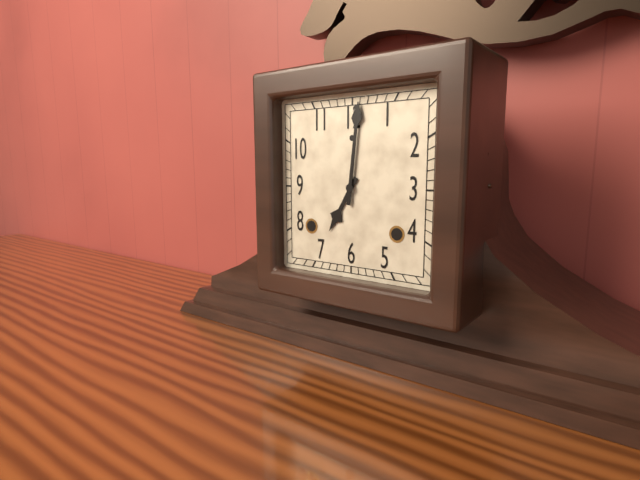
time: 7:01
